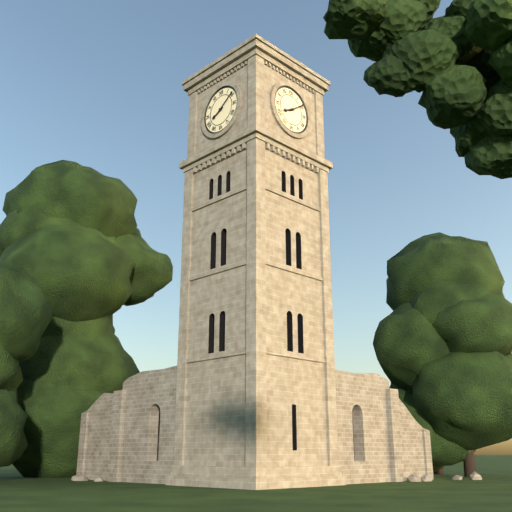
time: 8:09
